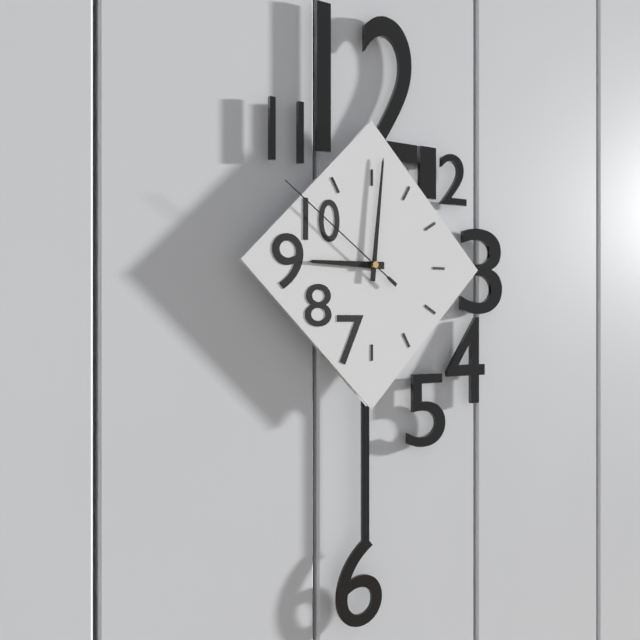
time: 9:01:51
